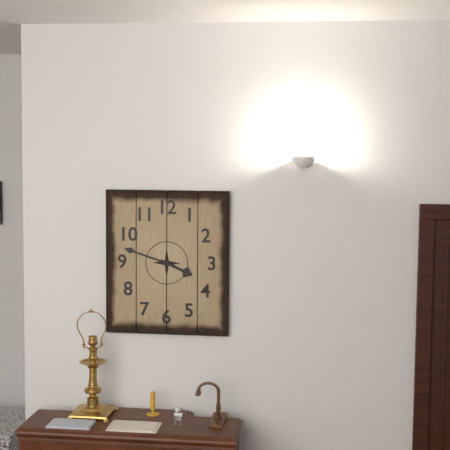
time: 3:48
